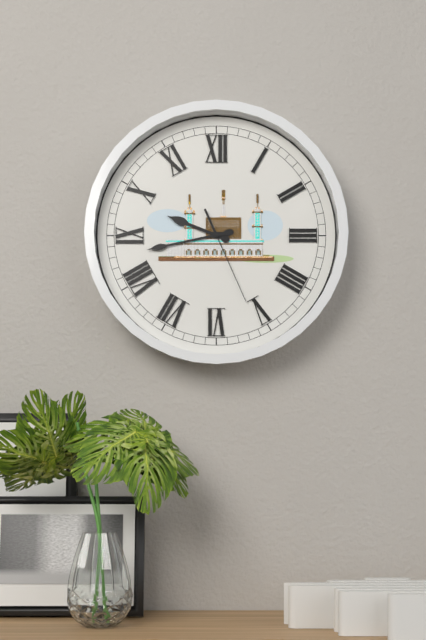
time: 9:43:26
